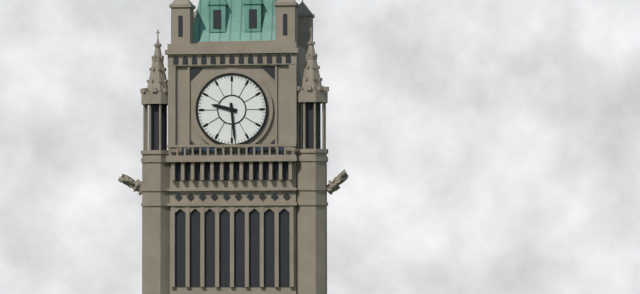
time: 9:29
